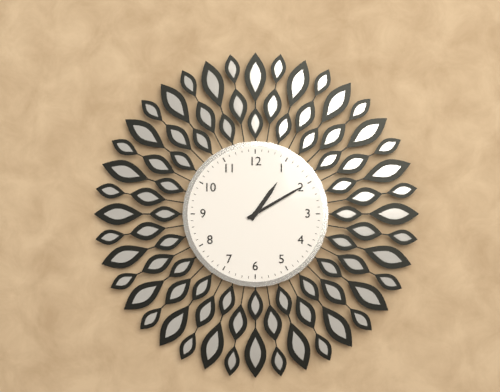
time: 1:10
